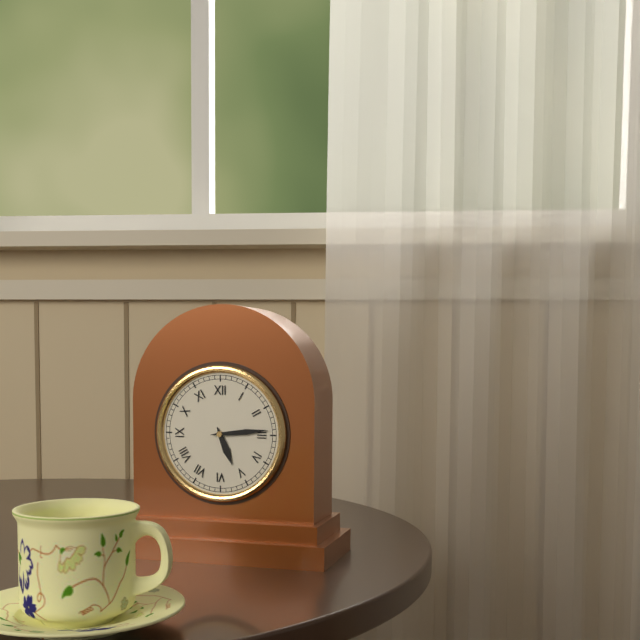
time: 5:14
